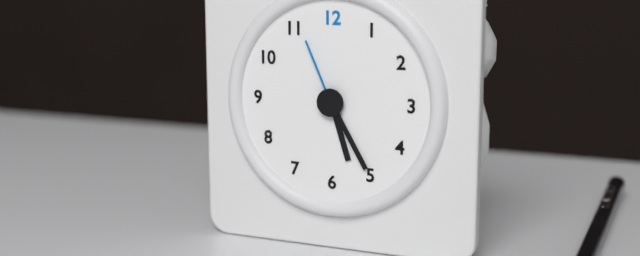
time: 5:25:56
